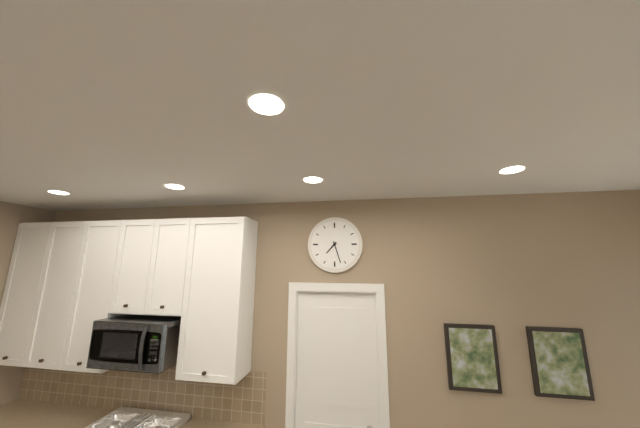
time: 7:27
